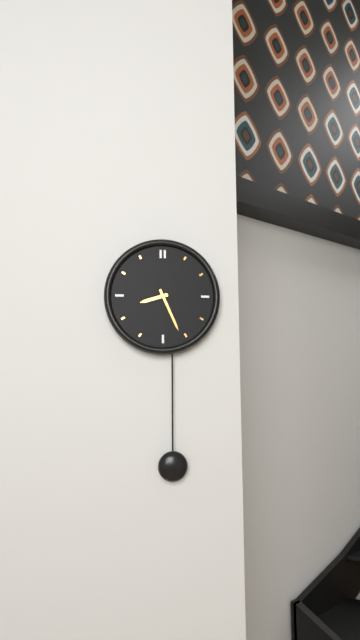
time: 8:26
